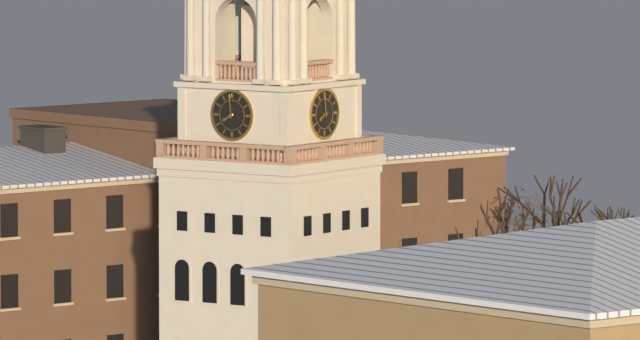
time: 7:59
